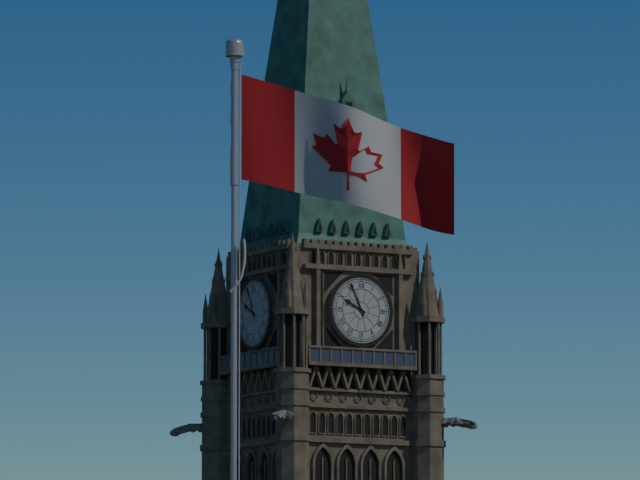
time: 9:56
